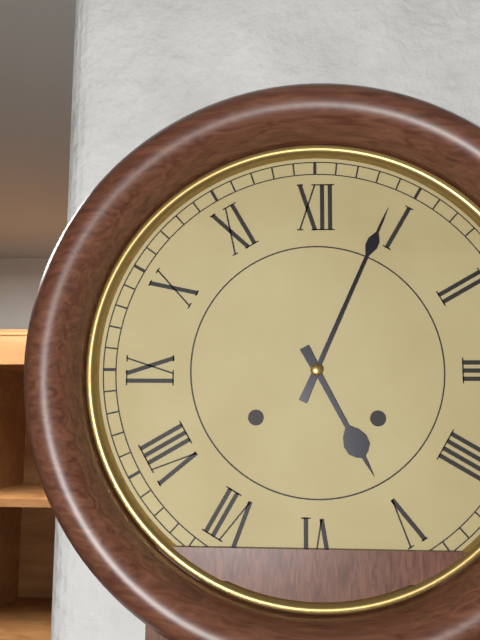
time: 5:04
